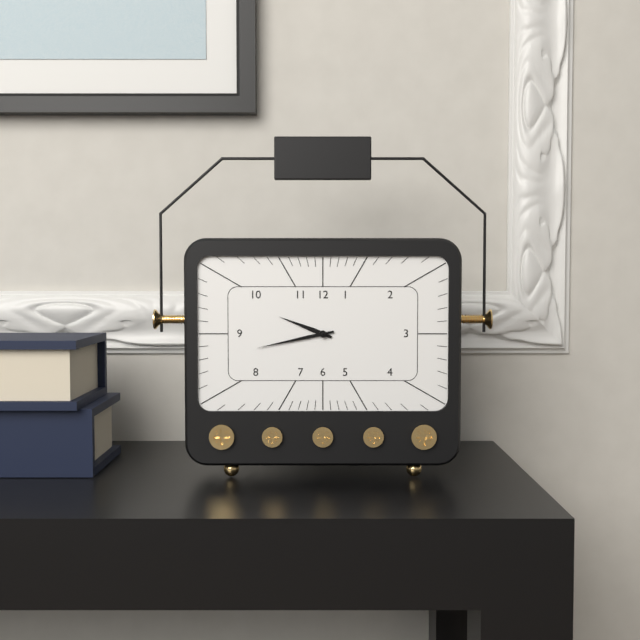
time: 9:43
